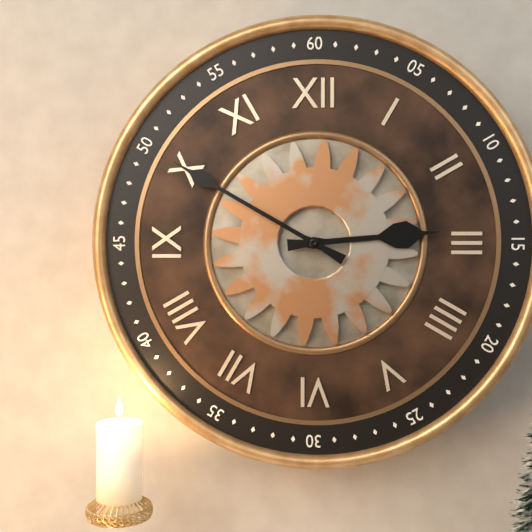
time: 2:50
